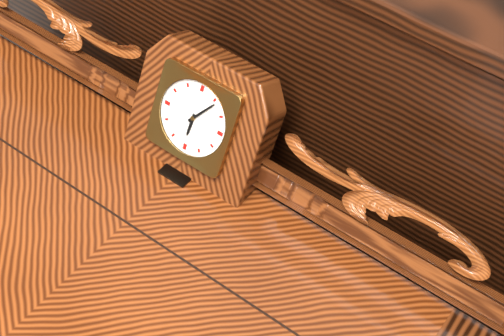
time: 6:06
